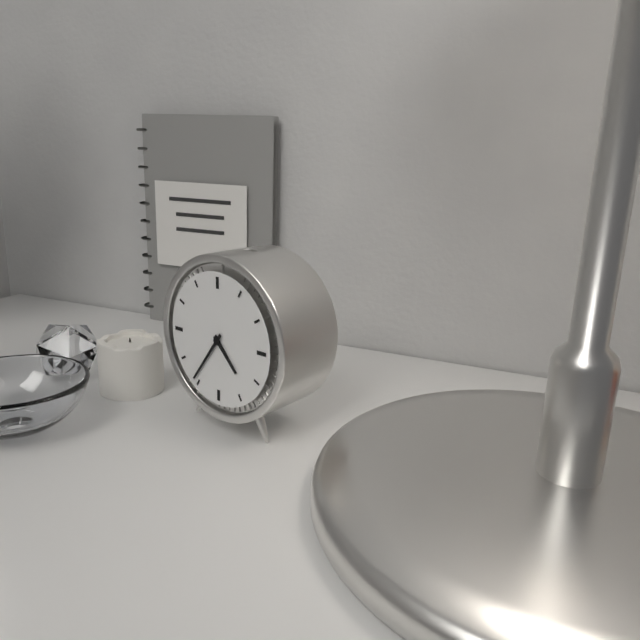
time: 4:36
